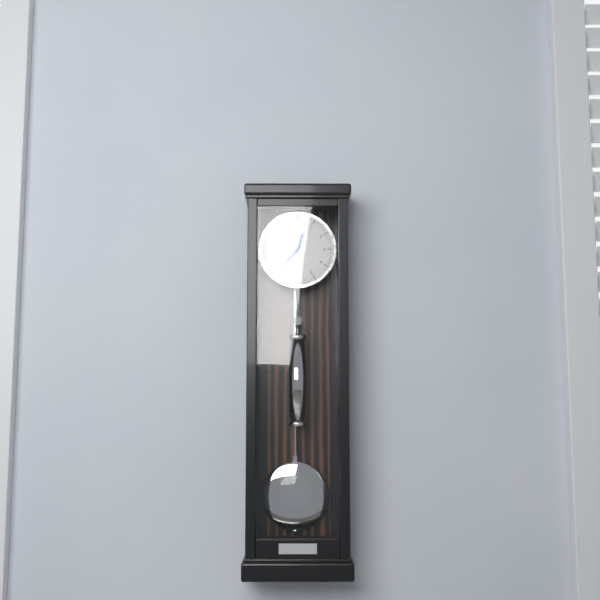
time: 12:37
